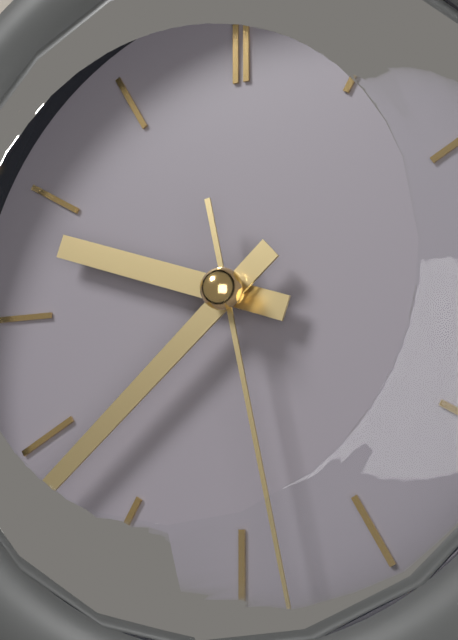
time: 9:38:28
